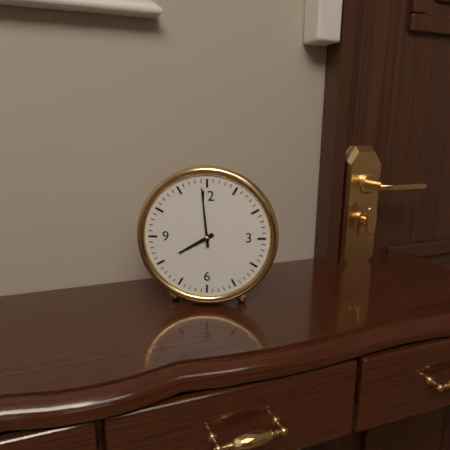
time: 7:59
